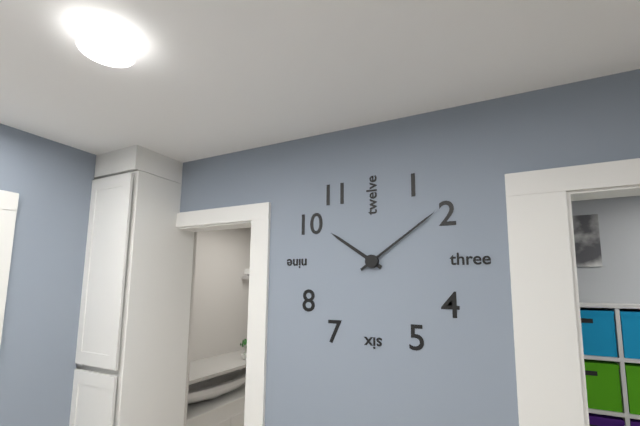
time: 10:09
